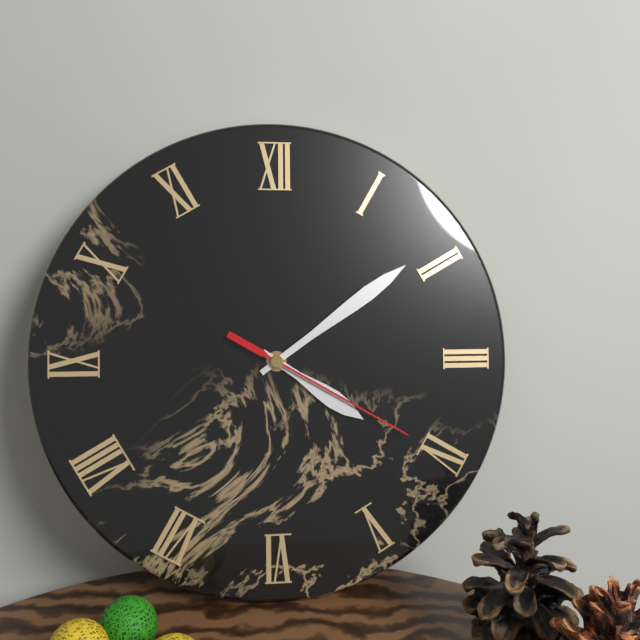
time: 4:09:20
